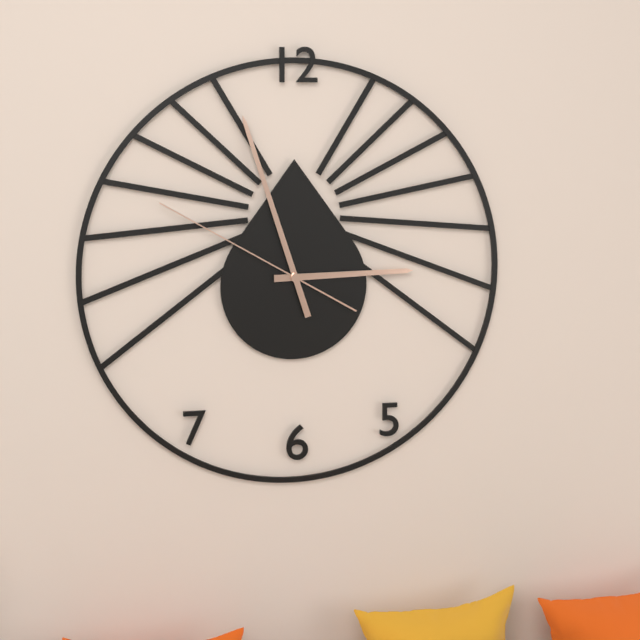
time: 2:57:50
